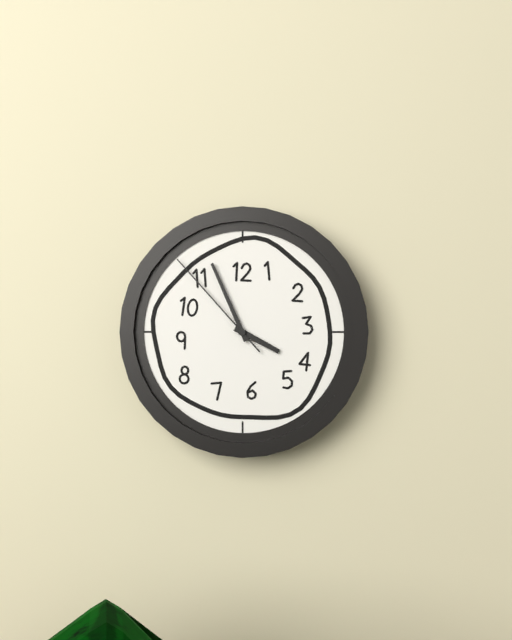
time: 3:56:53
